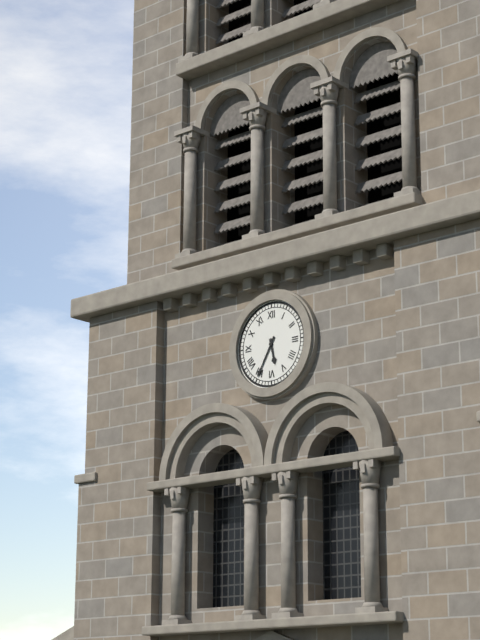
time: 5:35
